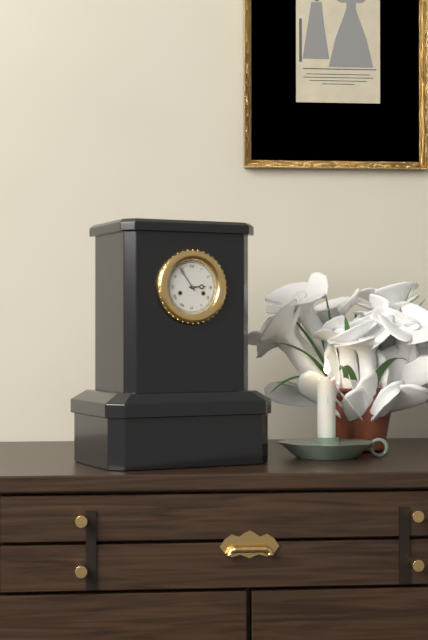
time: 2:54
